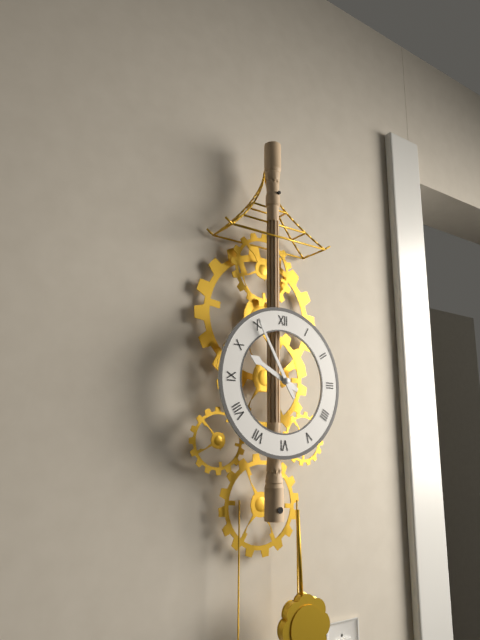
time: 9:55
